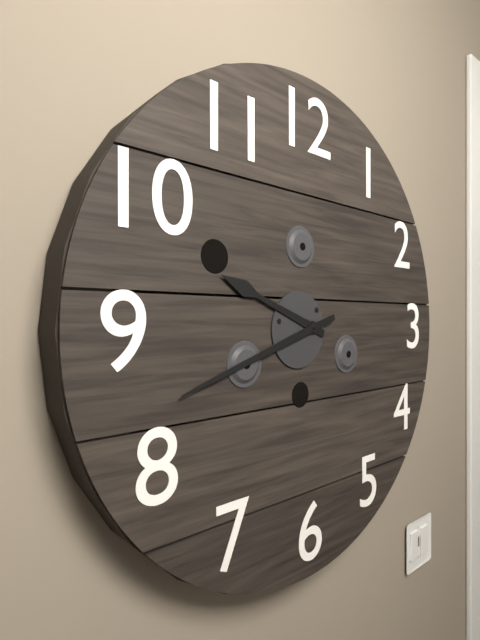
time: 9:42
